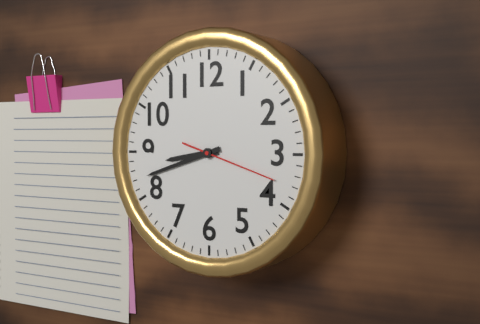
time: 8:42:18
